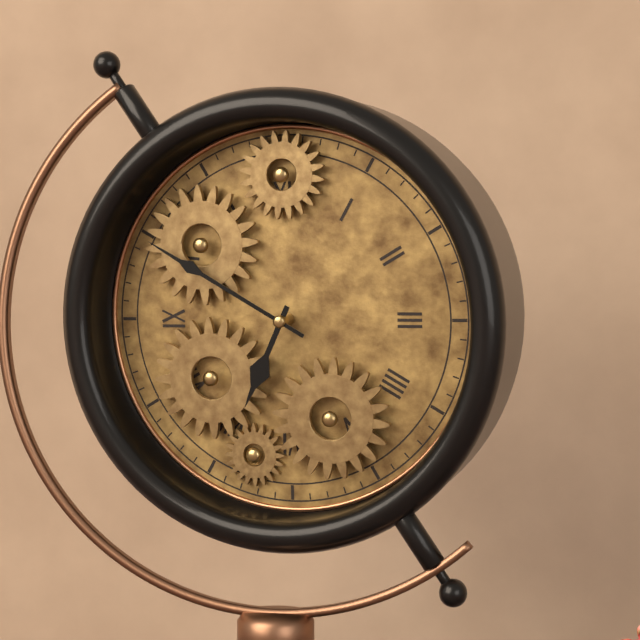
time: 6:50
